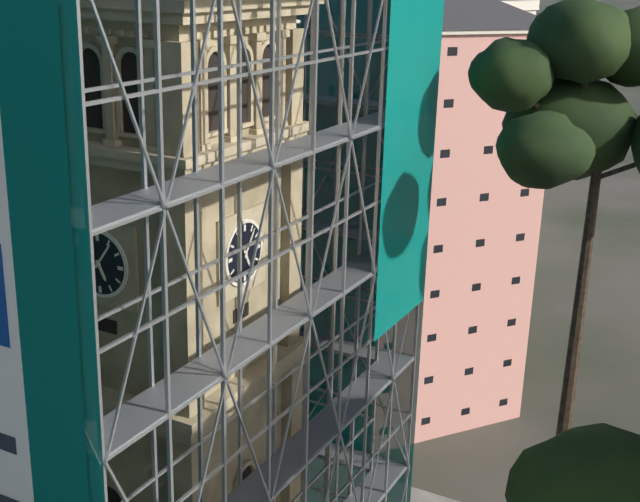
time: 5:06
